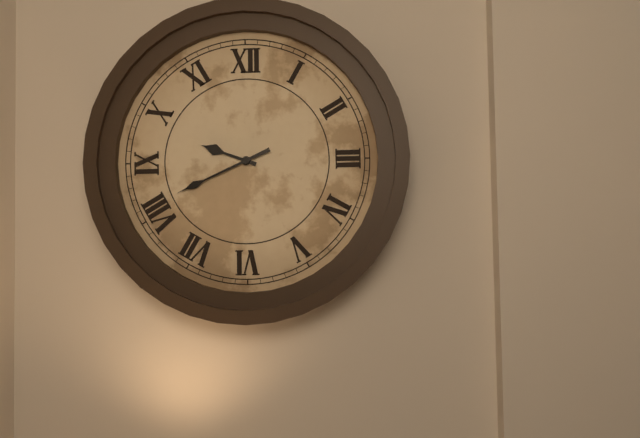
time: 9:41
